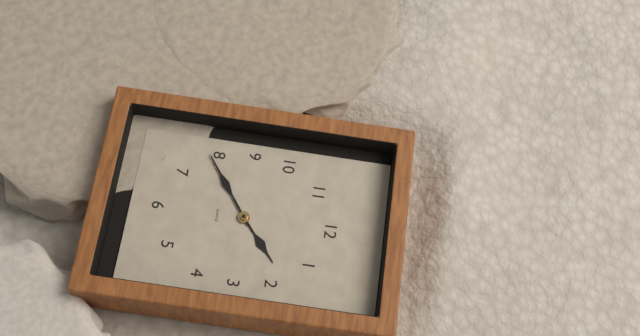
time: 1:39
